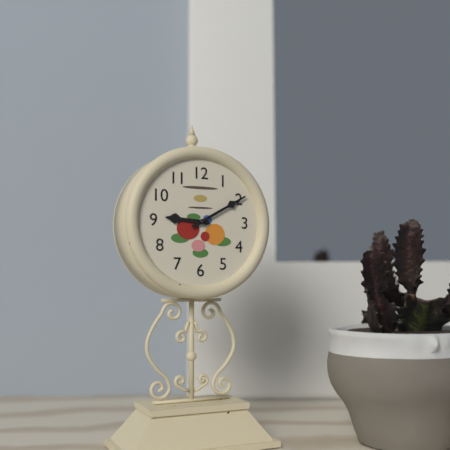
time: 9:10
